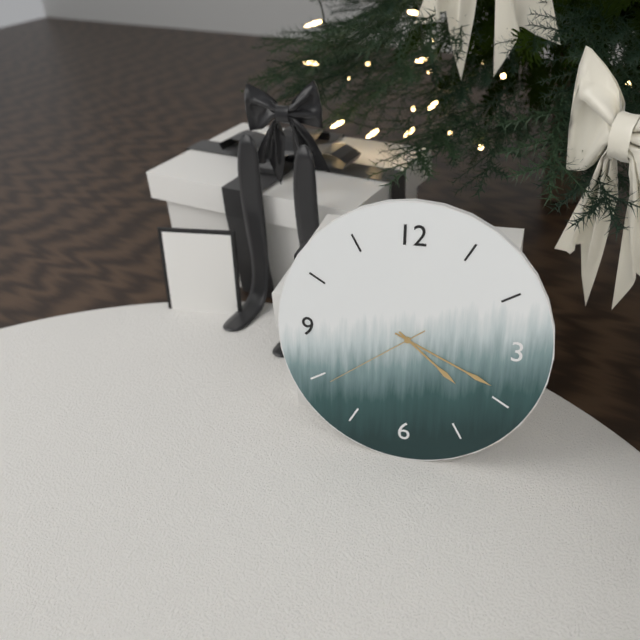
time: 4:19:39
